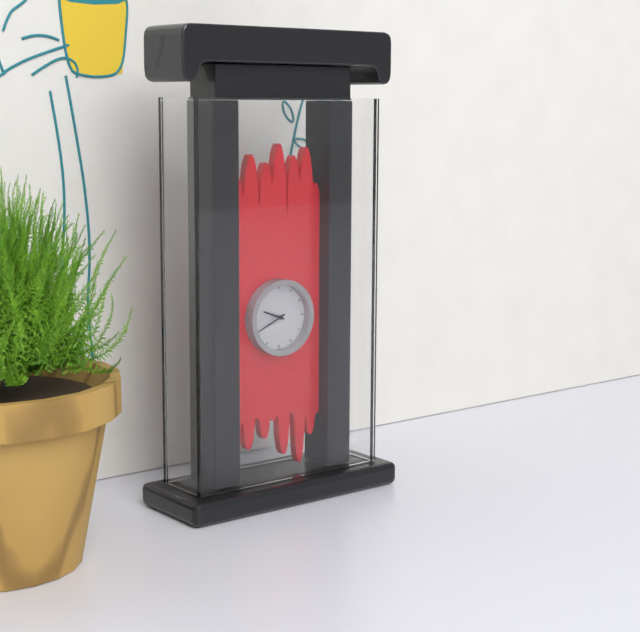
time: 9:41
